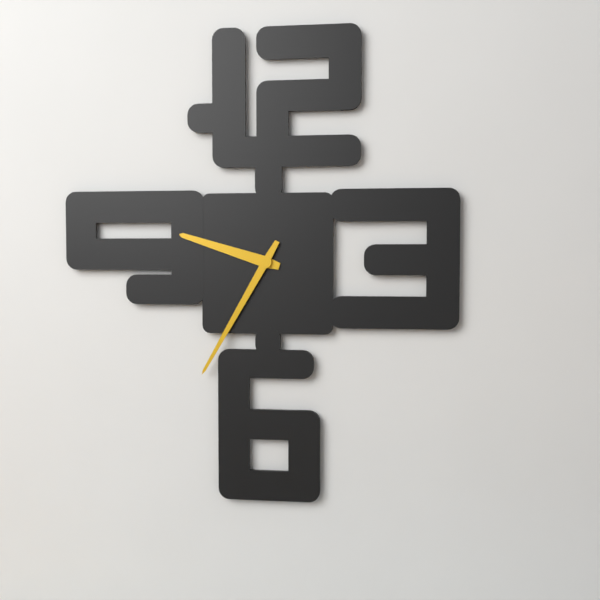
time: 9:35
